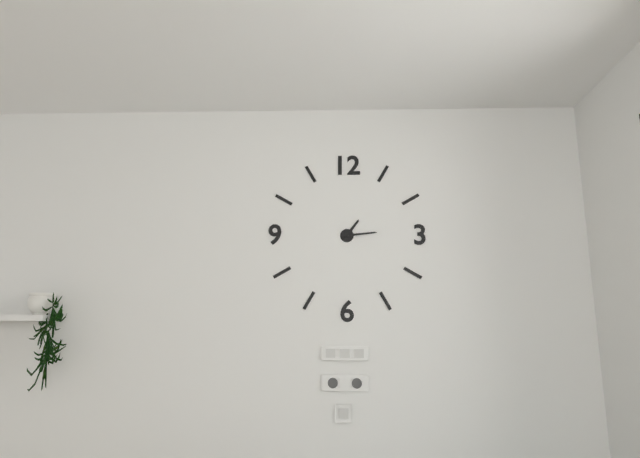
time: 1:14
